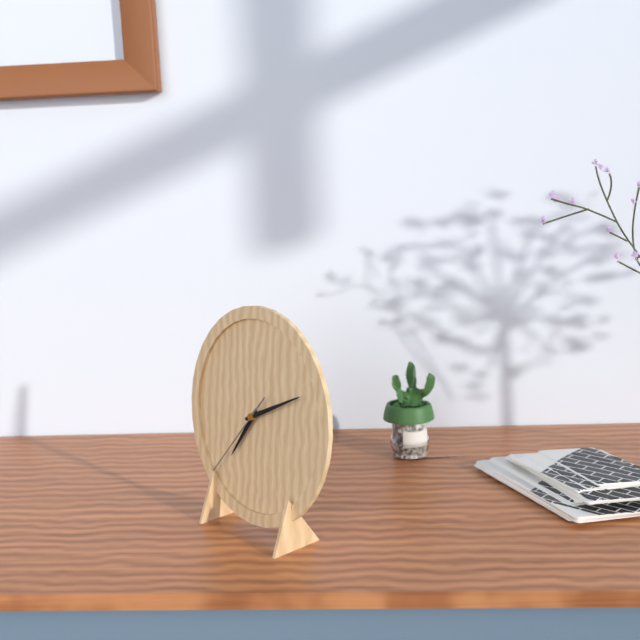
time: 7:11:37
